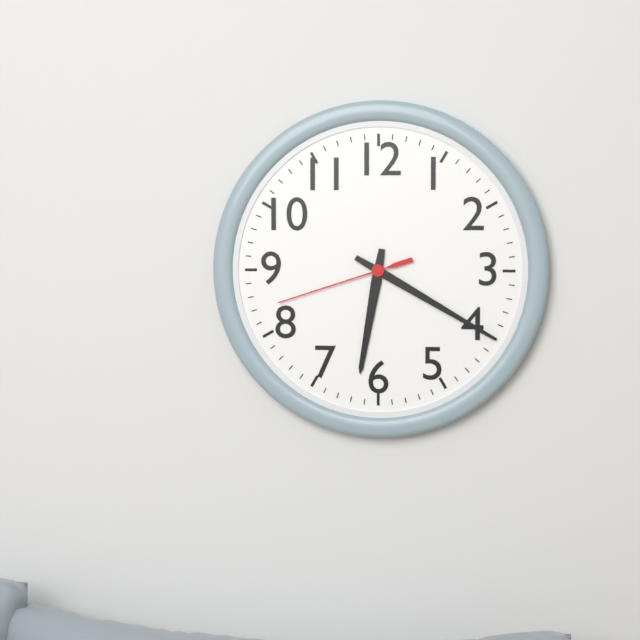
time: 6:20:42
